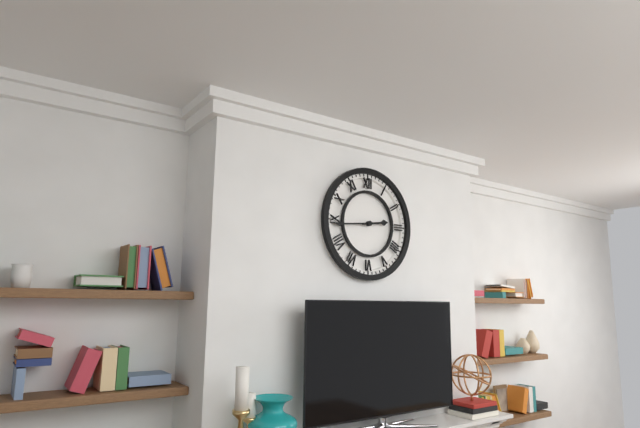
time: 2:44
